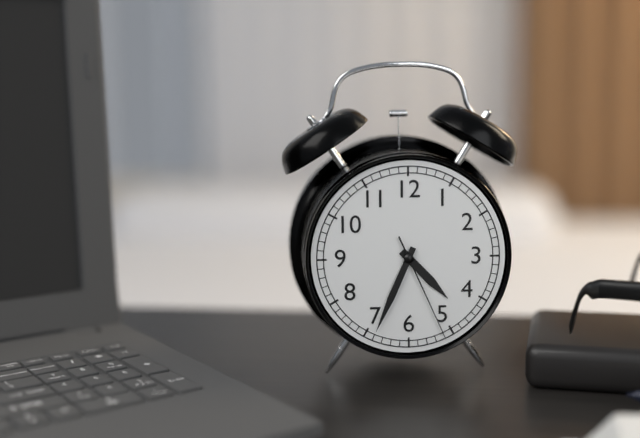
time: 4:34:26
